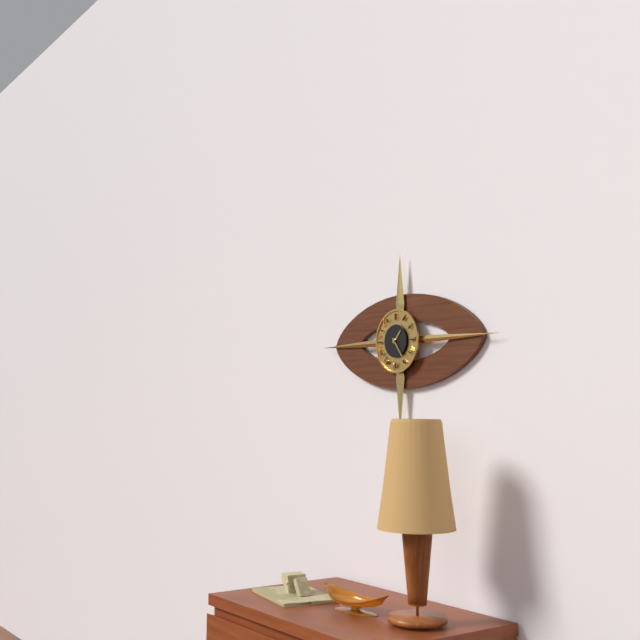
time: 1:24
